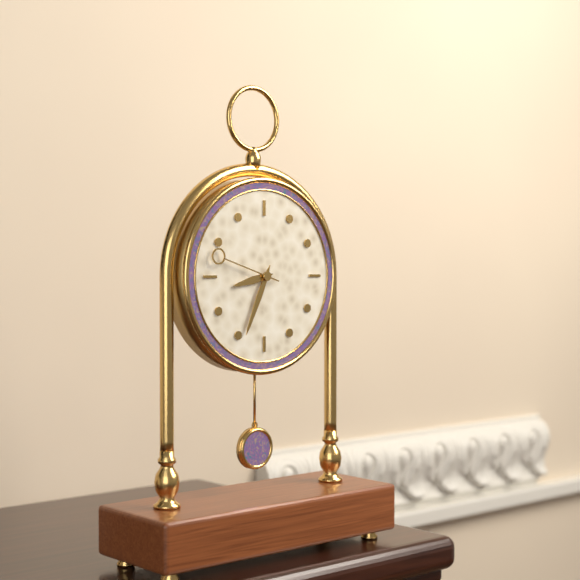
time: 8:34:48
